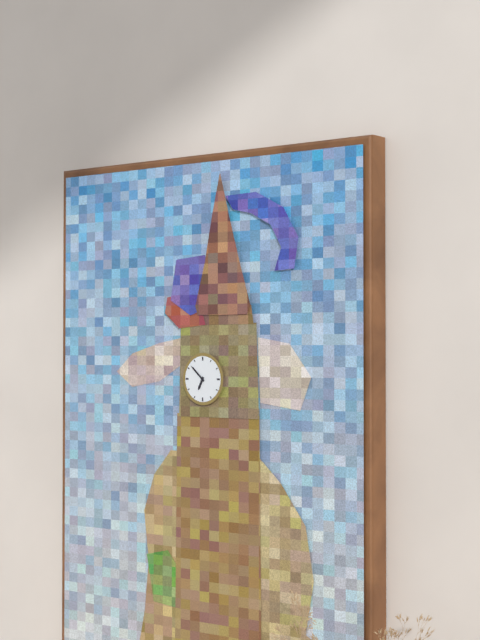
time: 6:52
